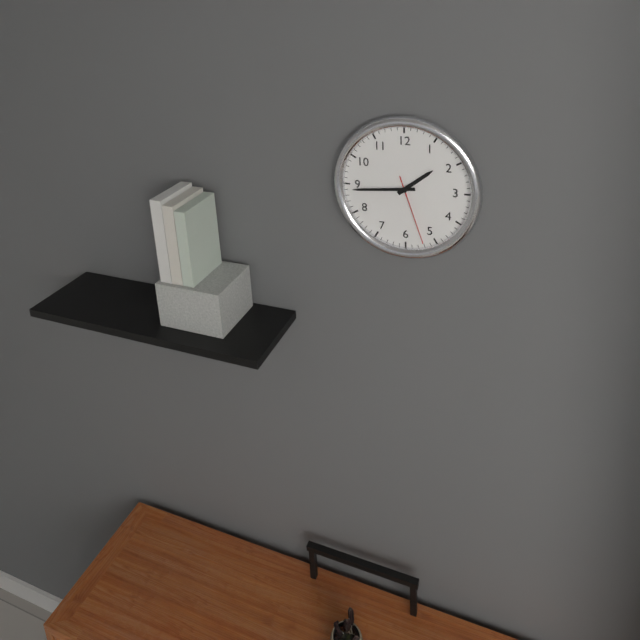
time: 1:44:27
